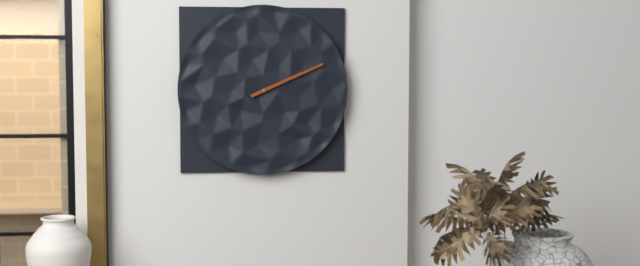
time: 2:11
